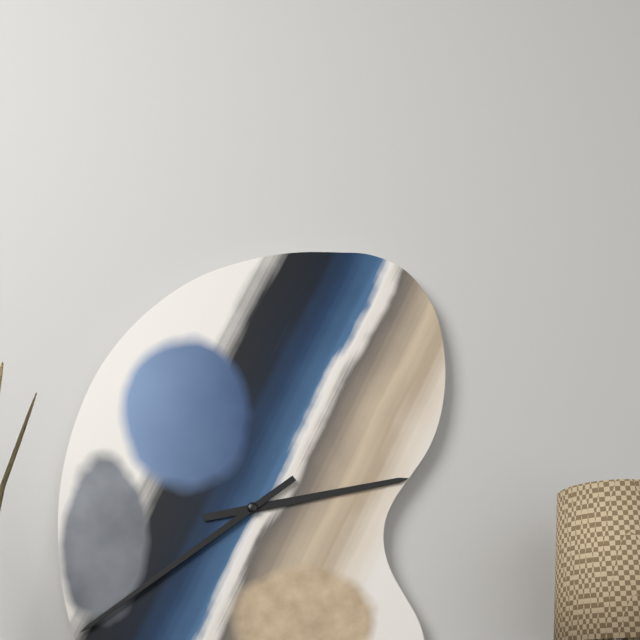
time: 2:39
